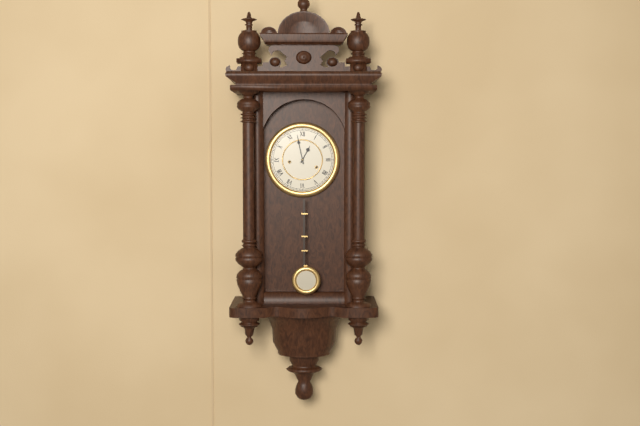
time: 12:58
